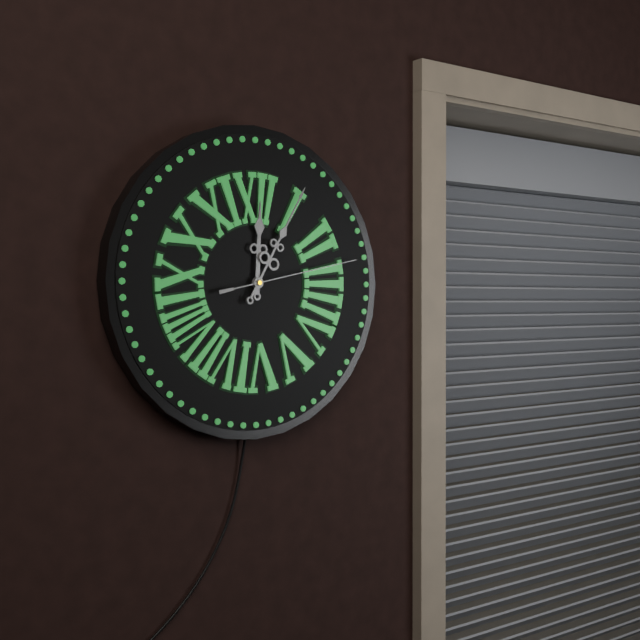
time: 12:05:13
